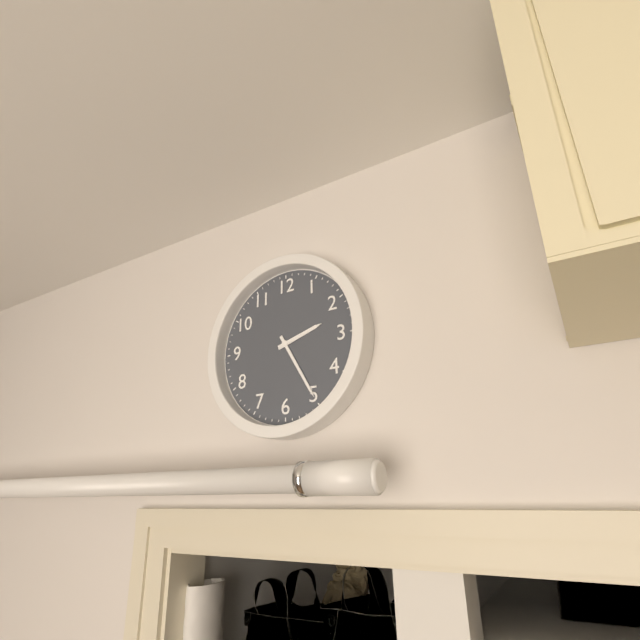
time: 2:25
